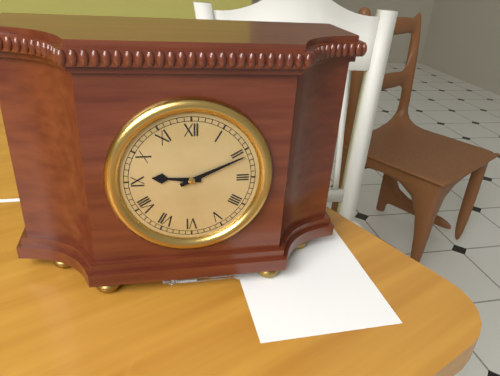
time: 9:11
